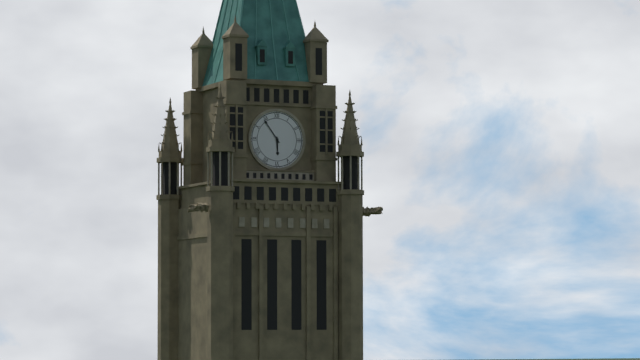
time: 5:54
